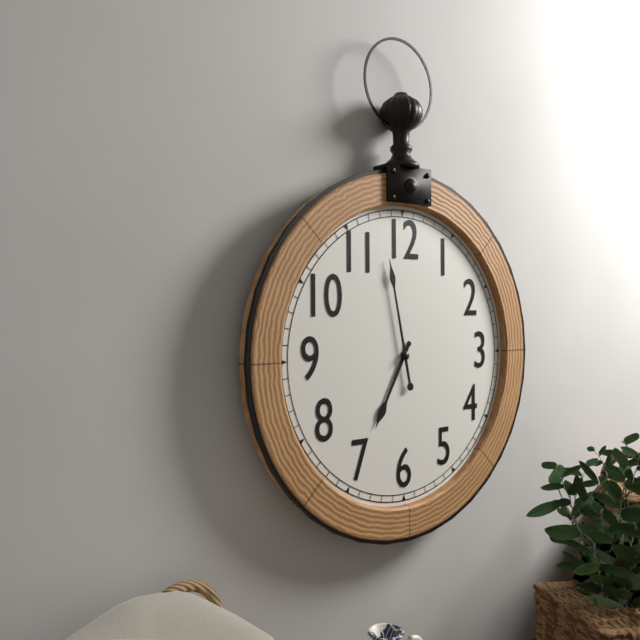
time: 6:58
